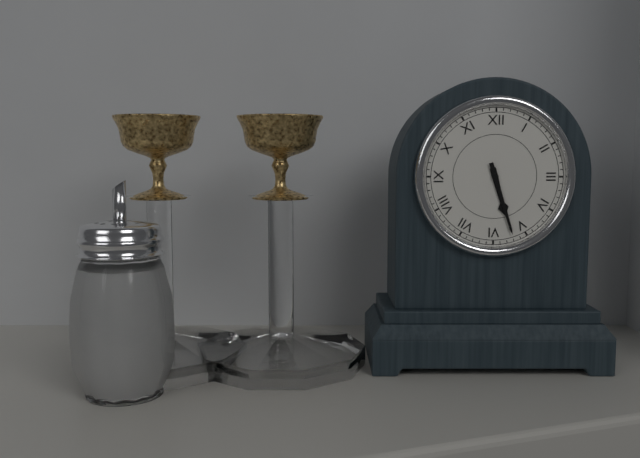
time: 5:27
